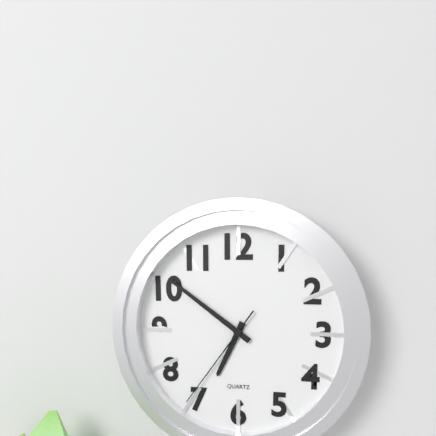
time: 6:51:36
